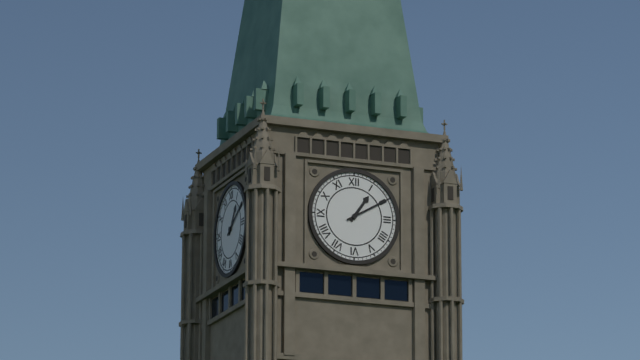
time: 1:10
